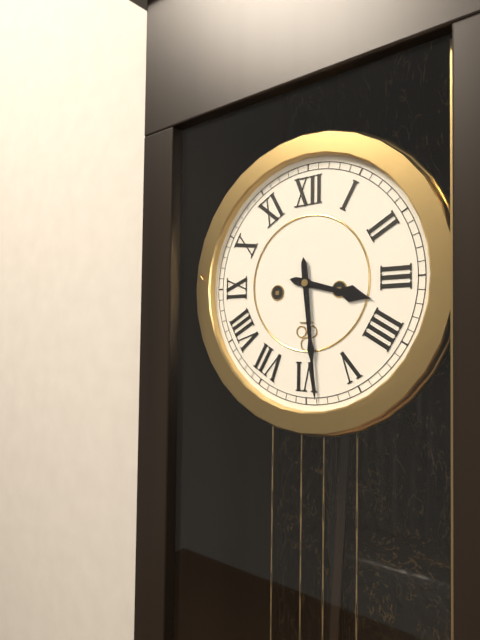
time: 3:29
